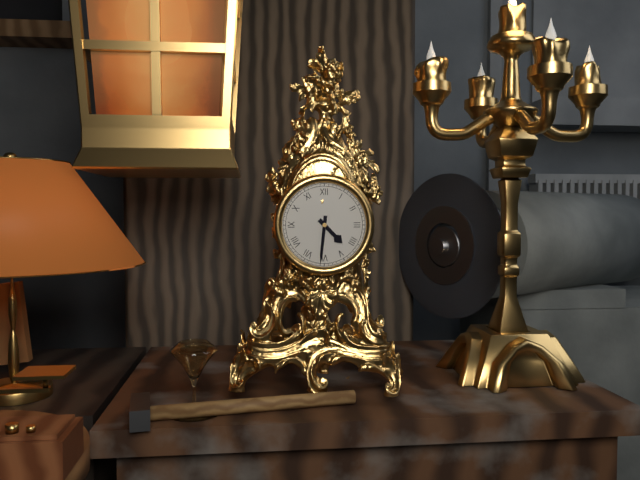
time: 4:31
